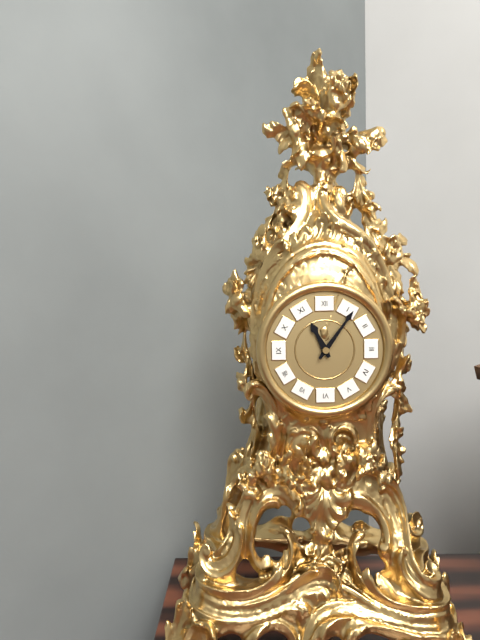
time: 11:06
